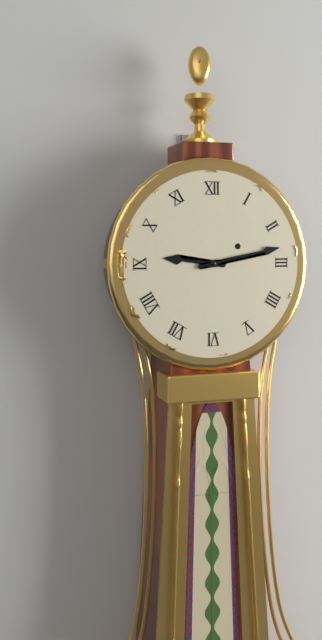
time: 9:13
